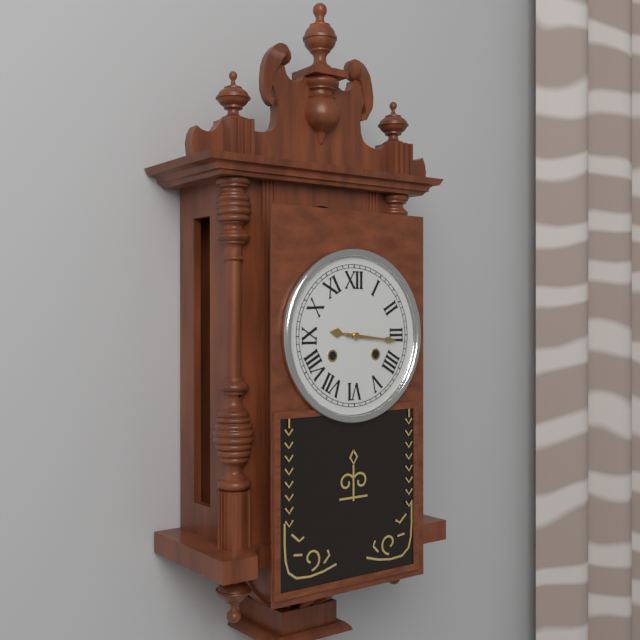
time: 9:16
